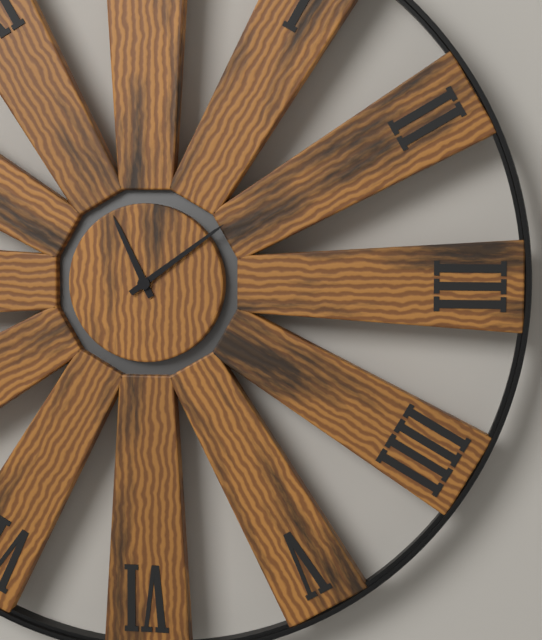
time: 11:09
